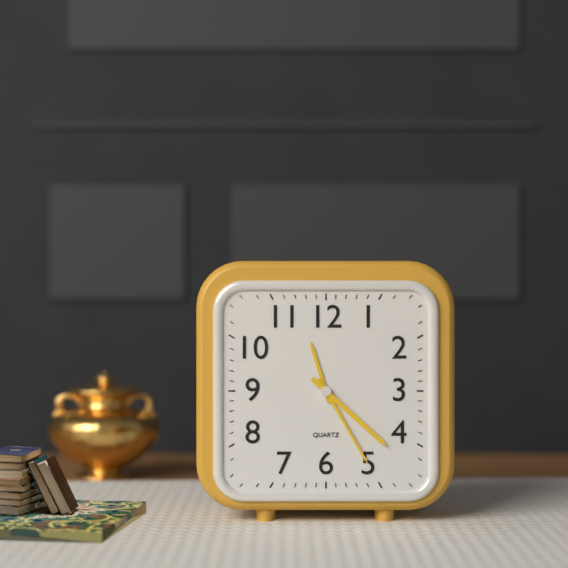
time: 11:25:22
